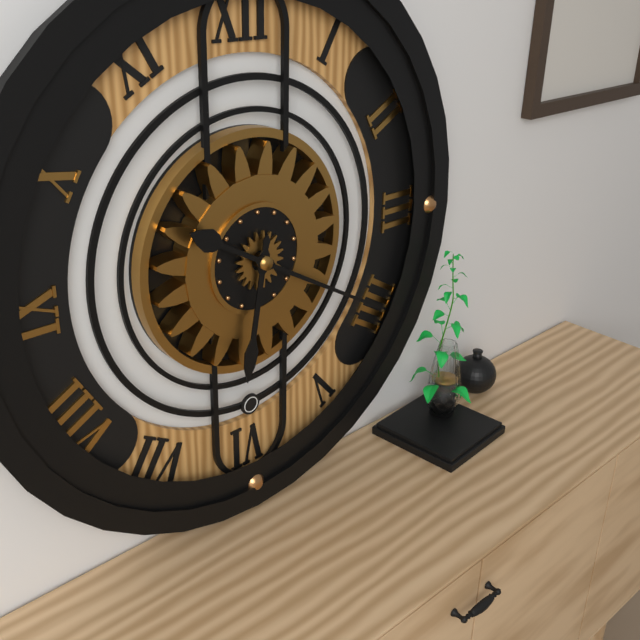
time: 6:20
